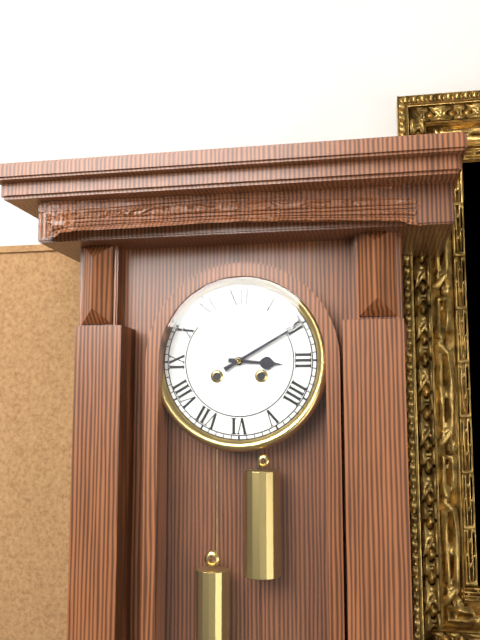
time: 3:10
